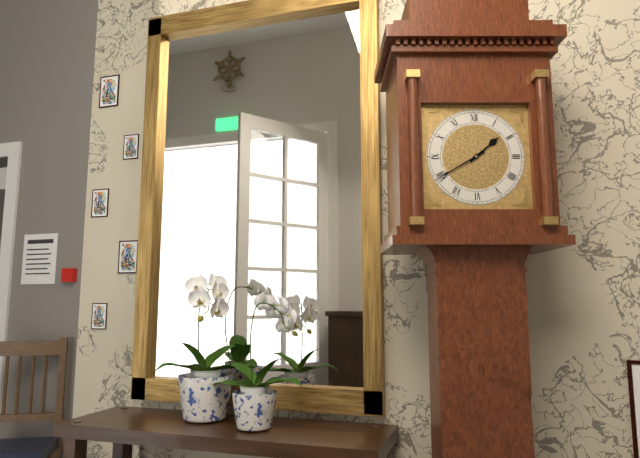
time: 1:40
